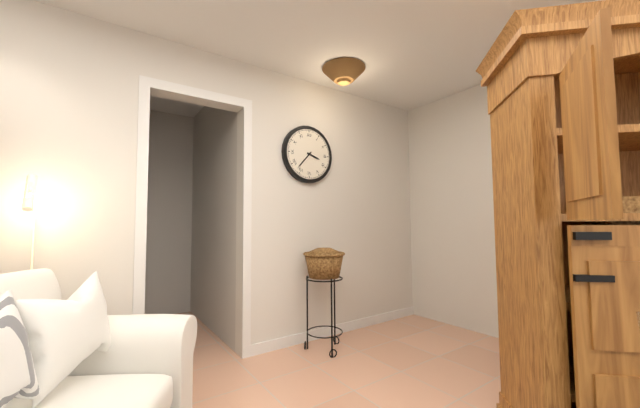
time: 3:37
